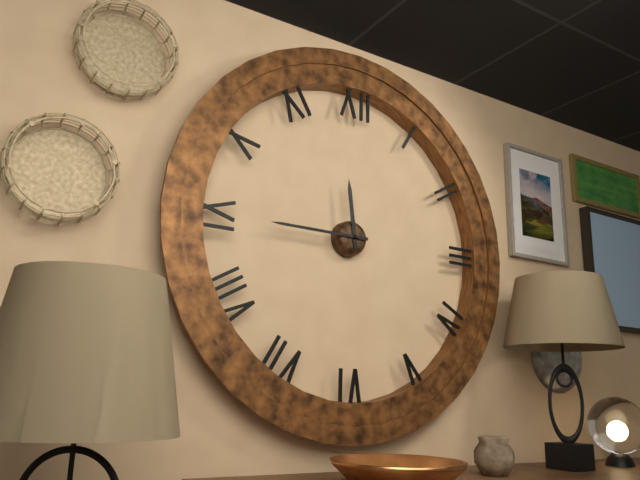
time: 11:45
